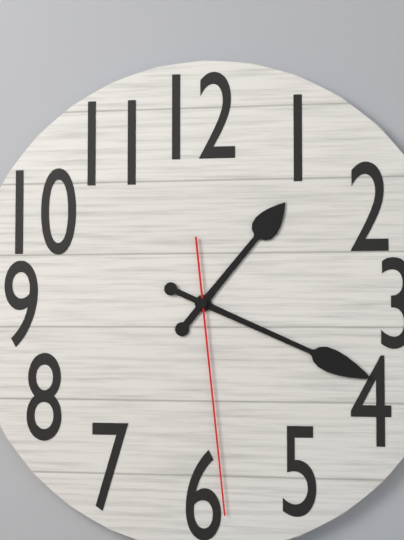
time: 1:19:29
